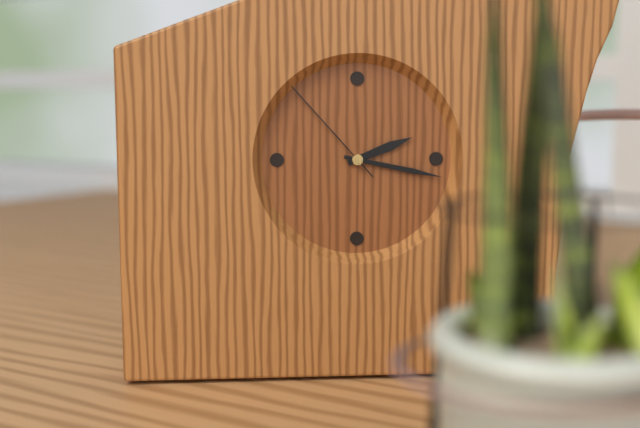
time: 2:17:53
